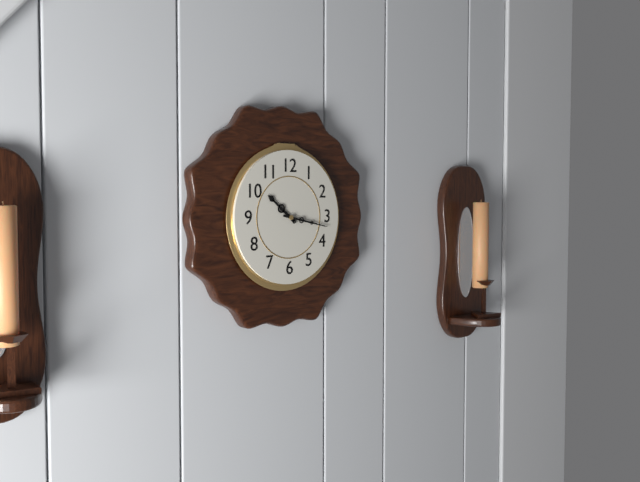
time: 10:17
